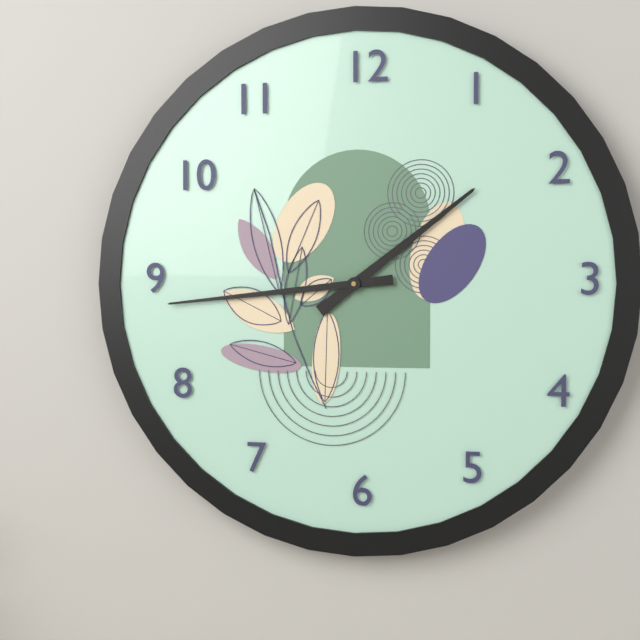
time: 1:44
